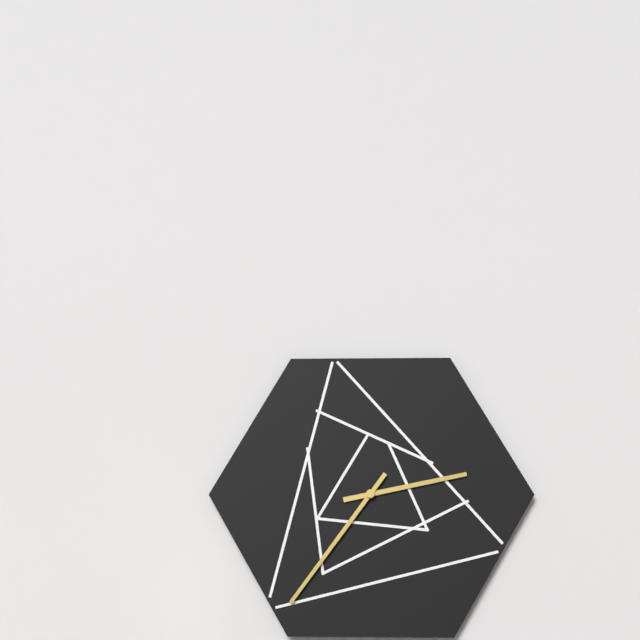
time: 2:36
